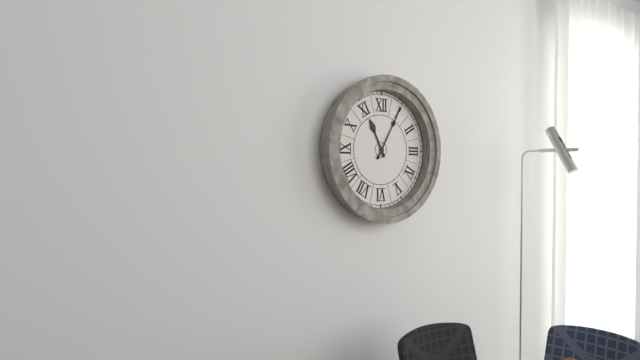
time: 11:05
